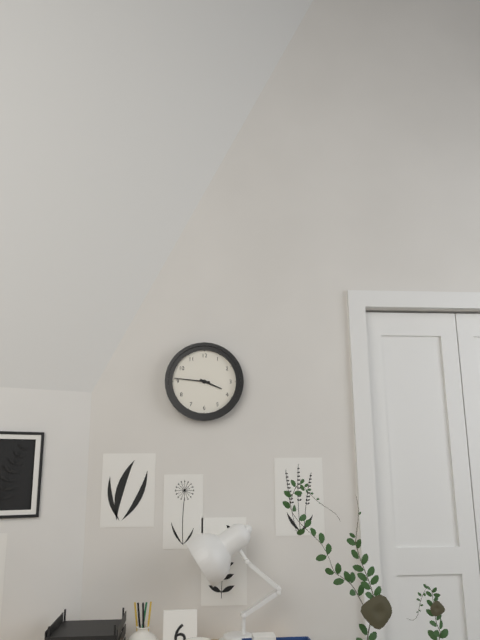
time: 3:46
